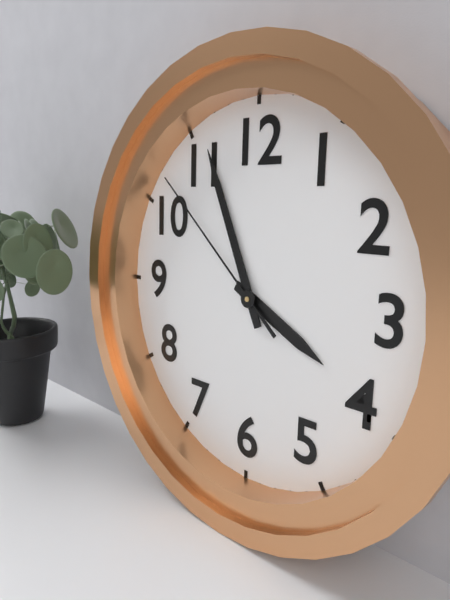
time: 3:56:52
